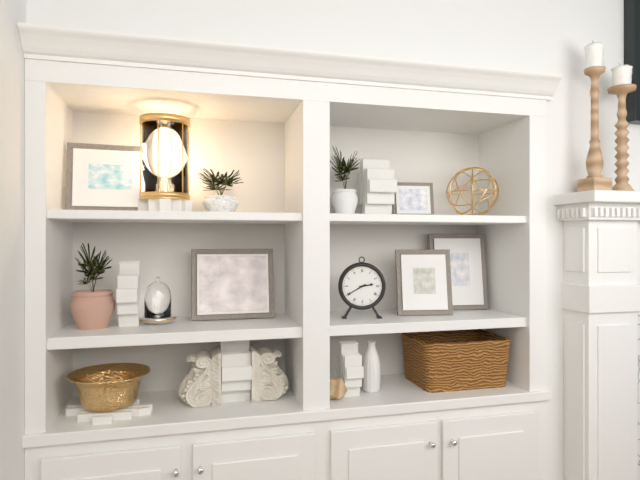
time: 2:40
